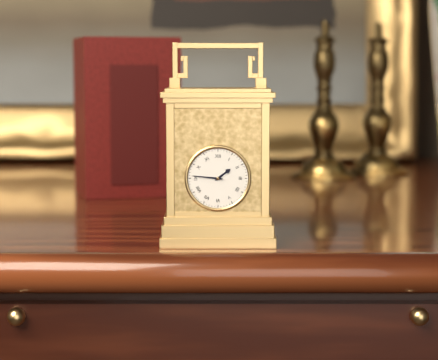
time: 1:46
